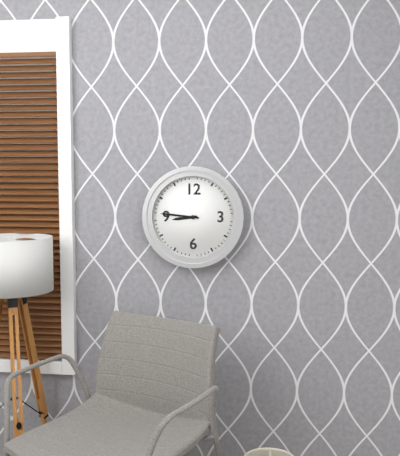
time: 8:46
